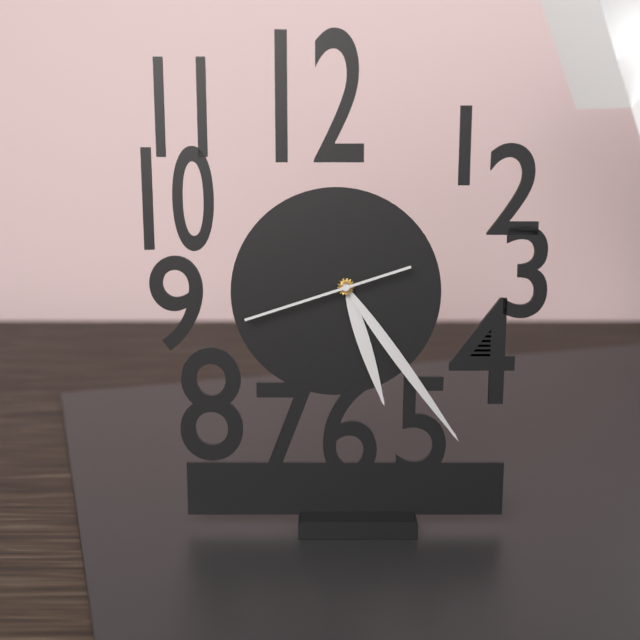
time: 5:24:42
